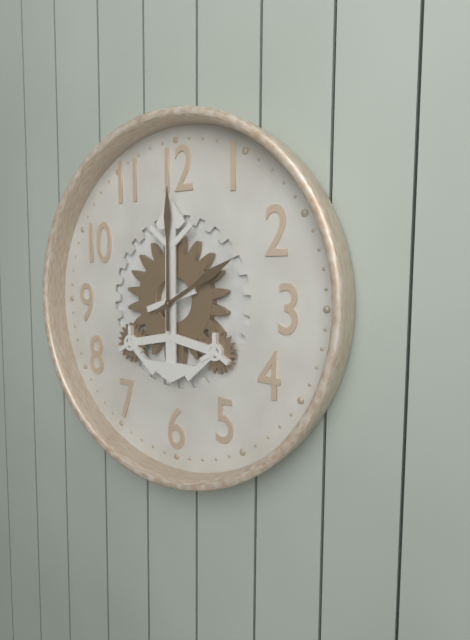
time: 2:00
